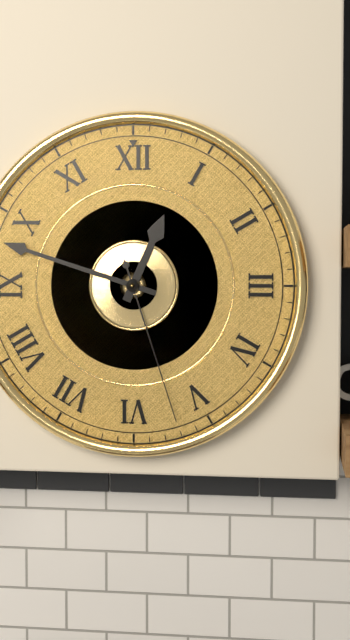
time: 12:48:27
